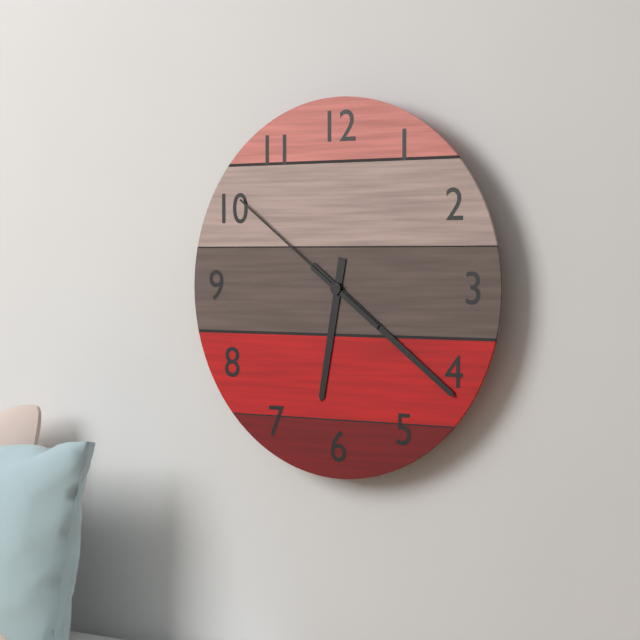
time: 6:21:51
